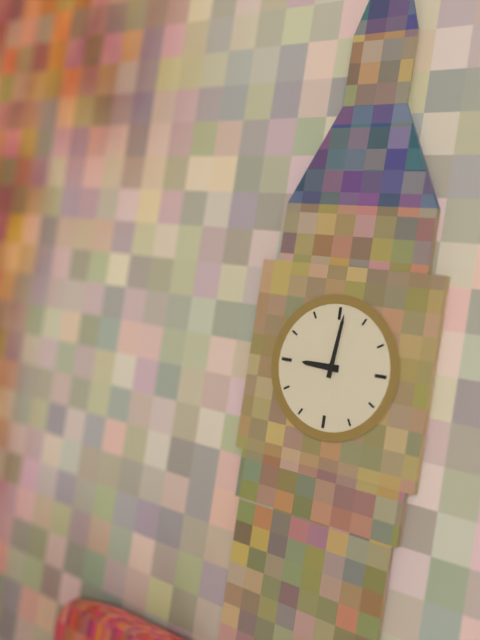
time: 9:01
